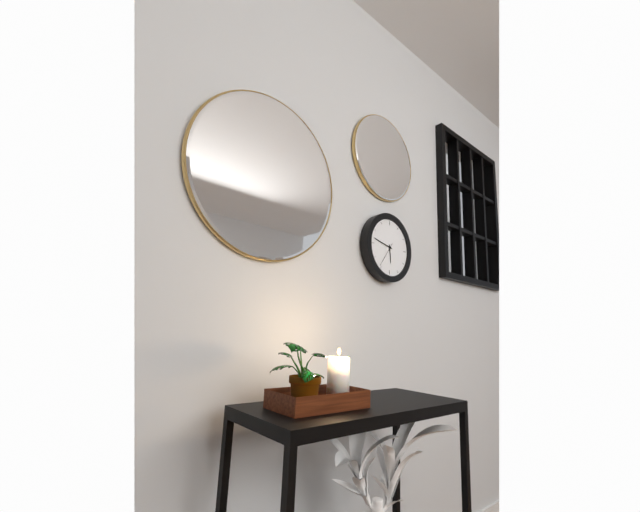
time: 5:47
